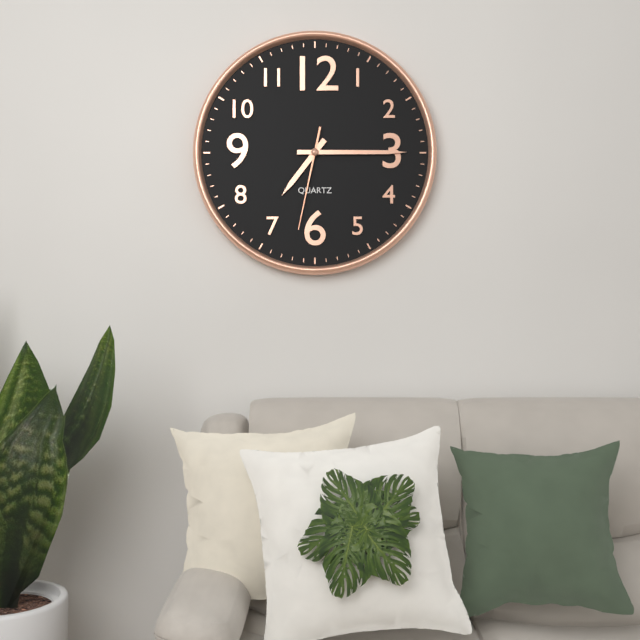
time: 7:15:32
